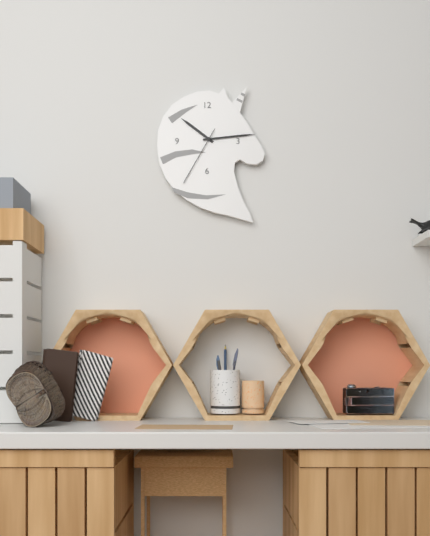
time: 10:14:35
